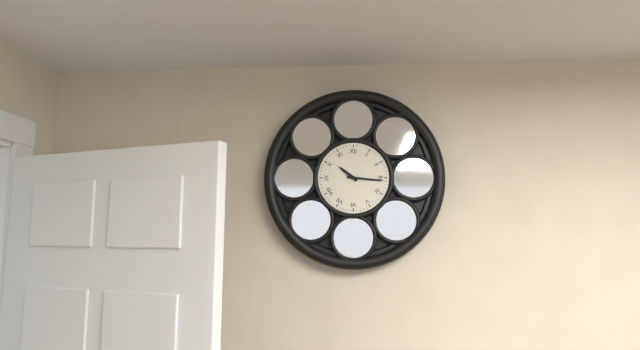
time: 10:16
